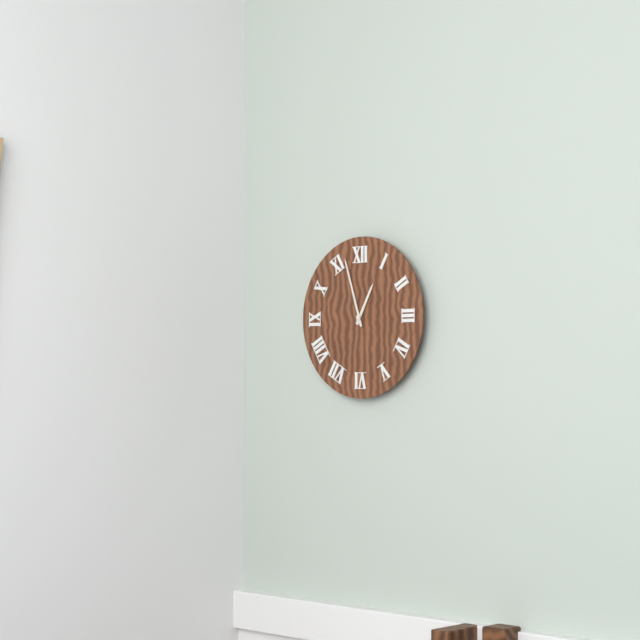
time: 12:57
